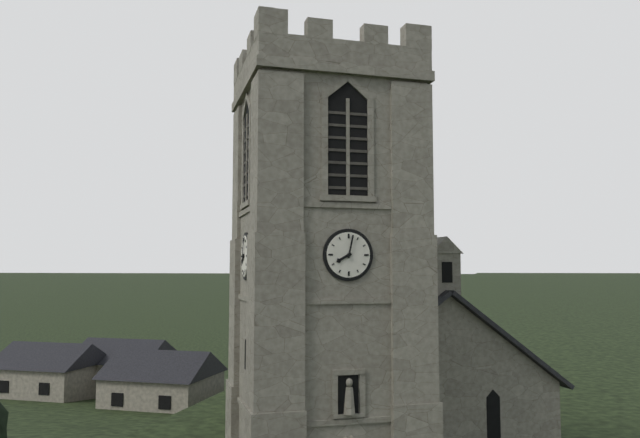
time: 8:02
